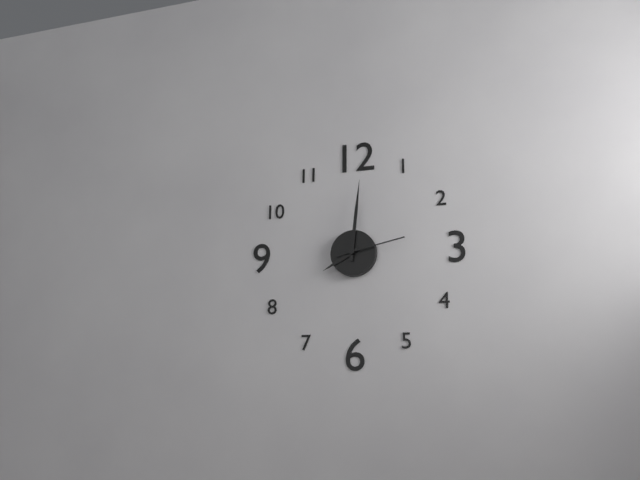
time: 8:01:13
